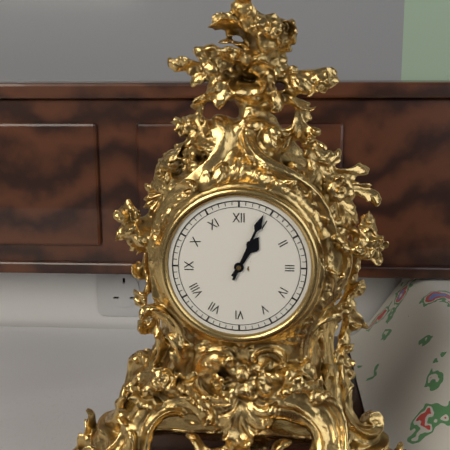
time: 1:04
